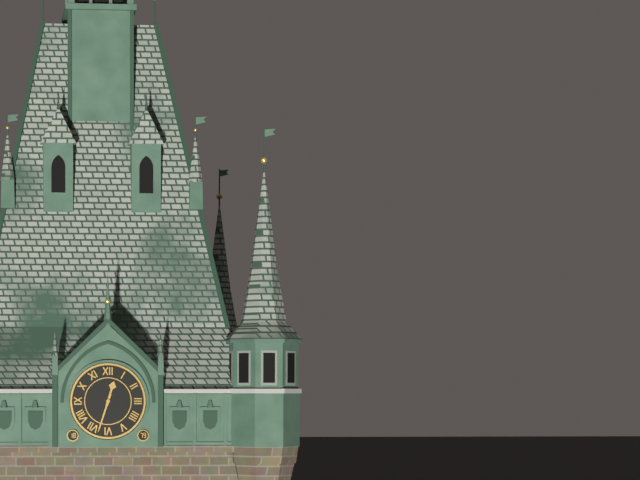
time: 12:33
